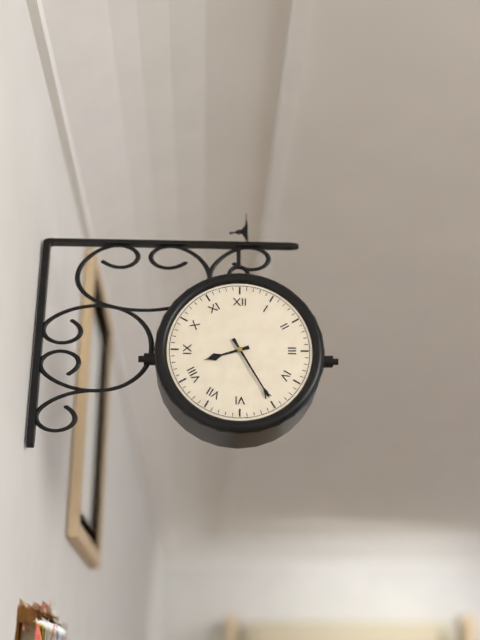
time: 8:25
